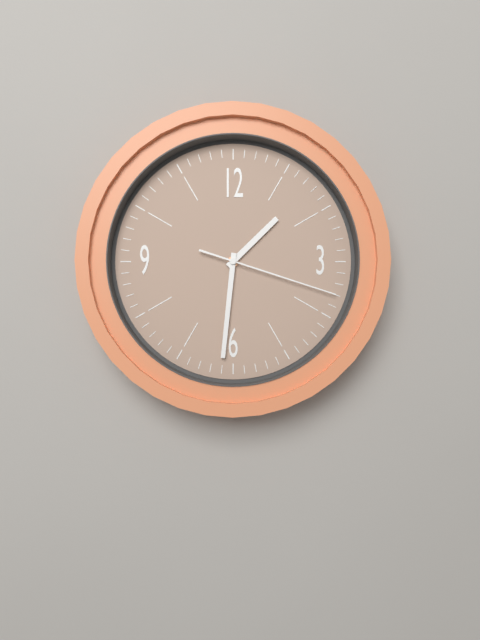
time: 1:31:18
